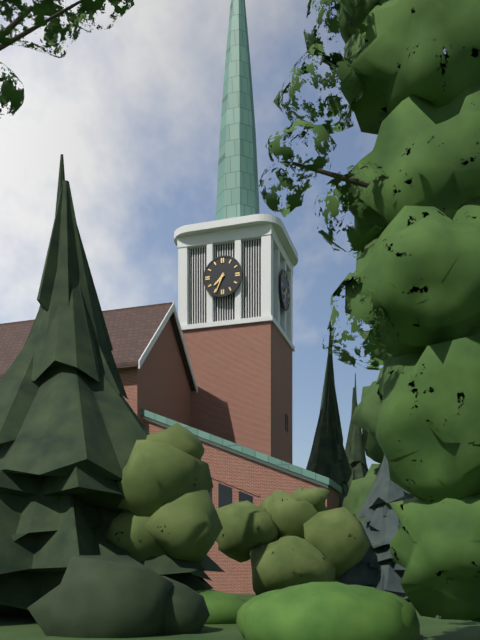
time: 7:34
